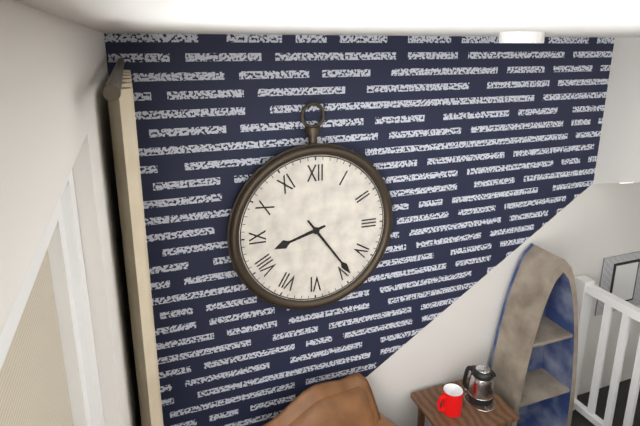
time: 8:24
